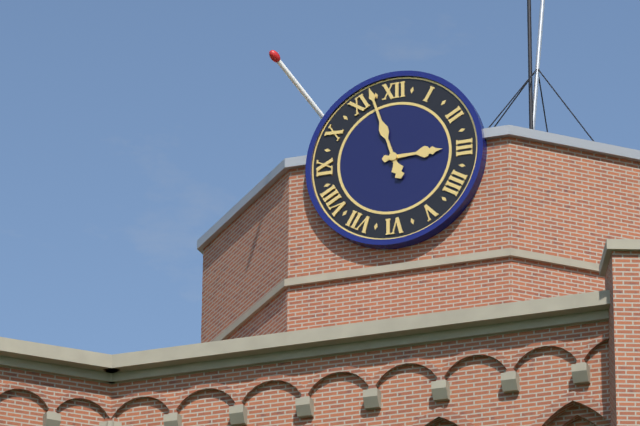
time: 2:57
